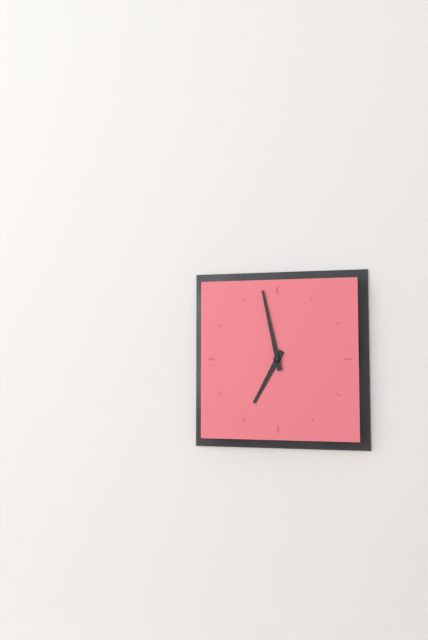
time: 6:58
